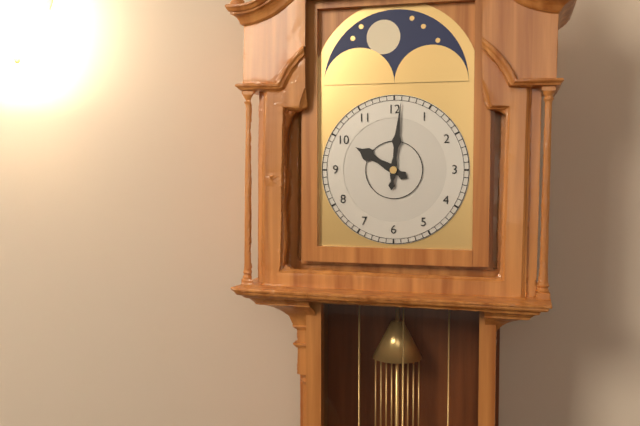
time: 10:01
